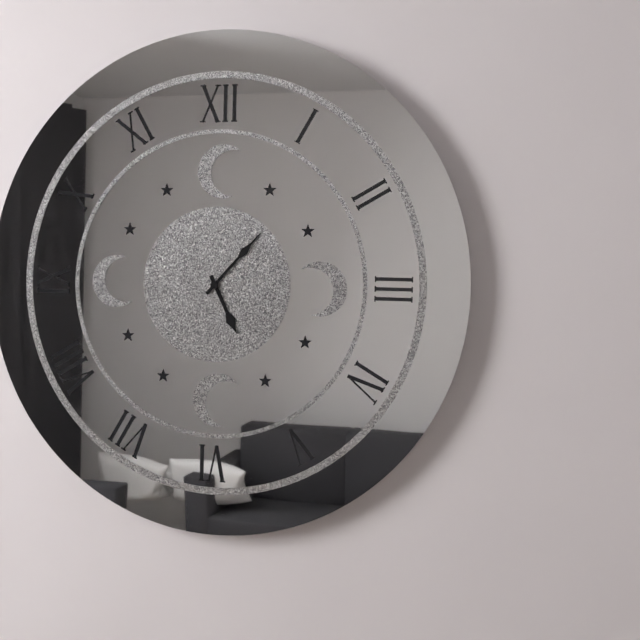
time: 5:07
